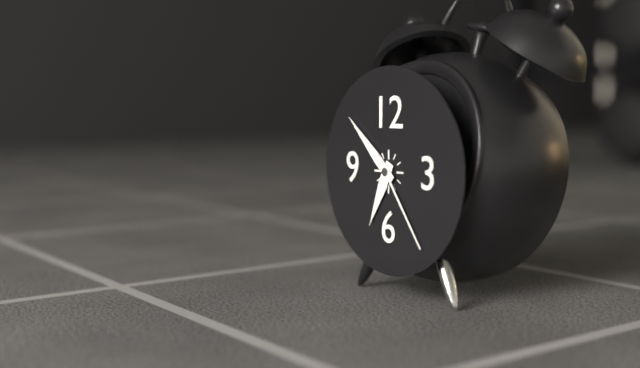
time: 6:52:24
